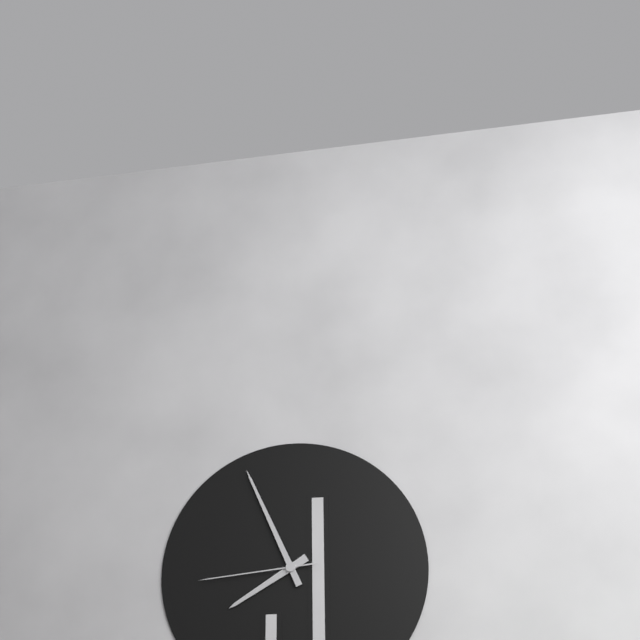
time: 7:56:44
